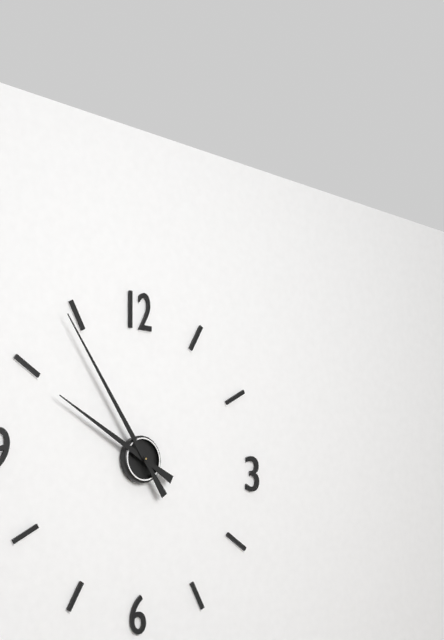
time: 9:54
